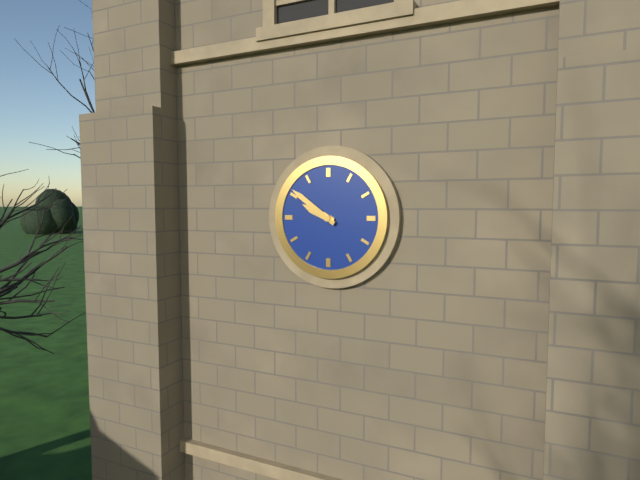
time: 9:51
